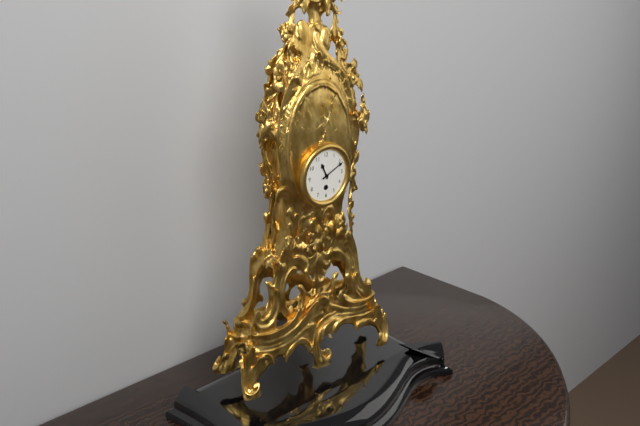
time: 11:11
